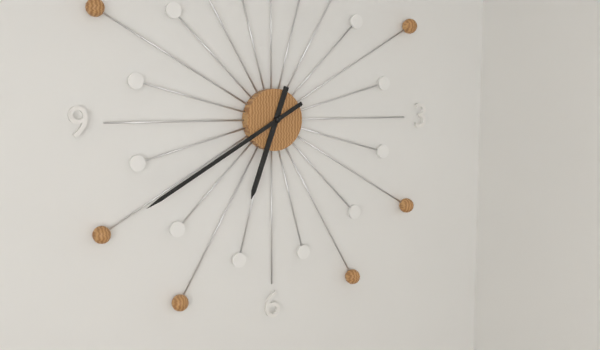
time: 6:40
